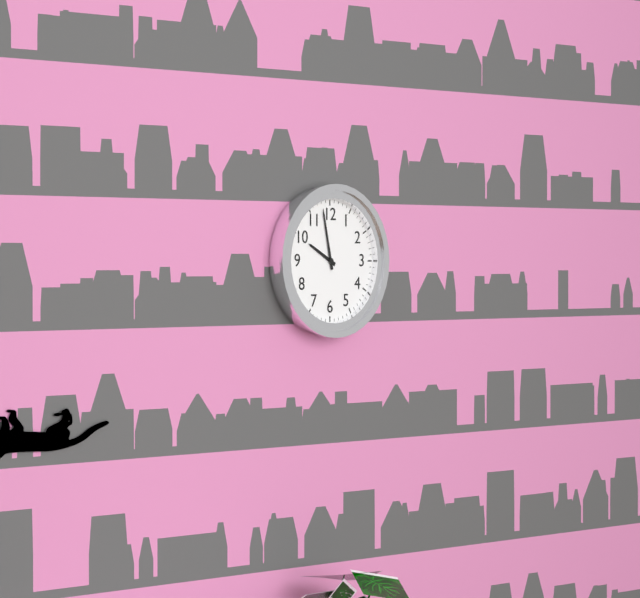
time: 9:58
